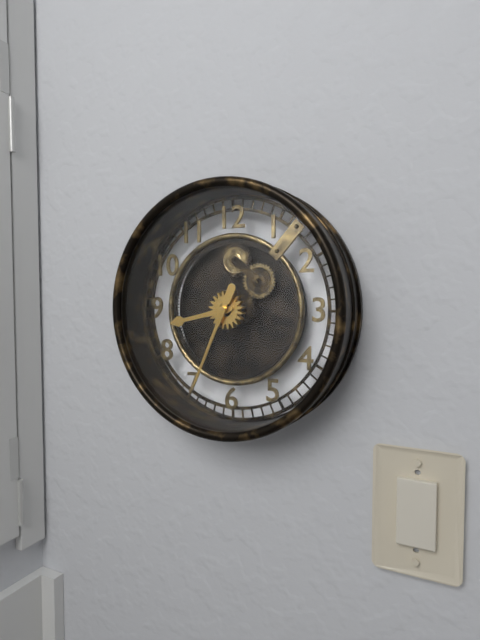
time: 8:34
